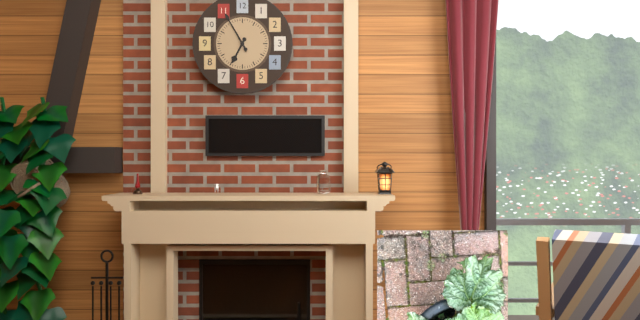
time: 6:55
